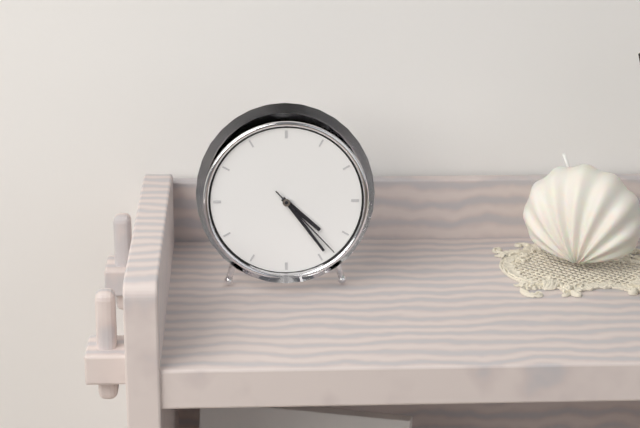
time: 4:24:23
